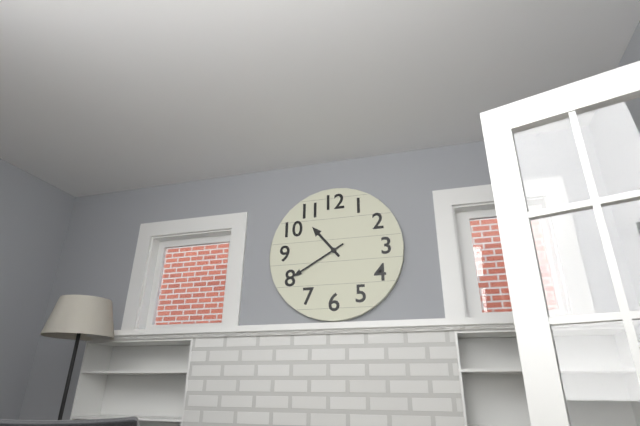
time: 10:40
